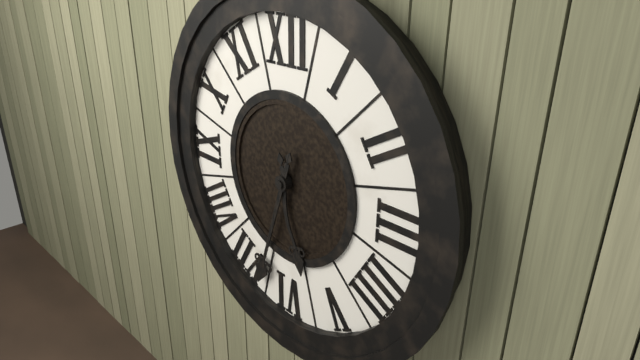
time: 5:33
